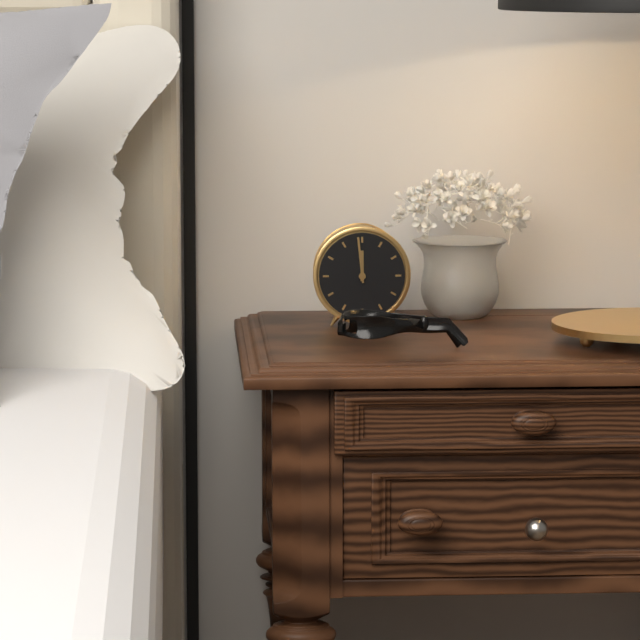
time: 11:59
